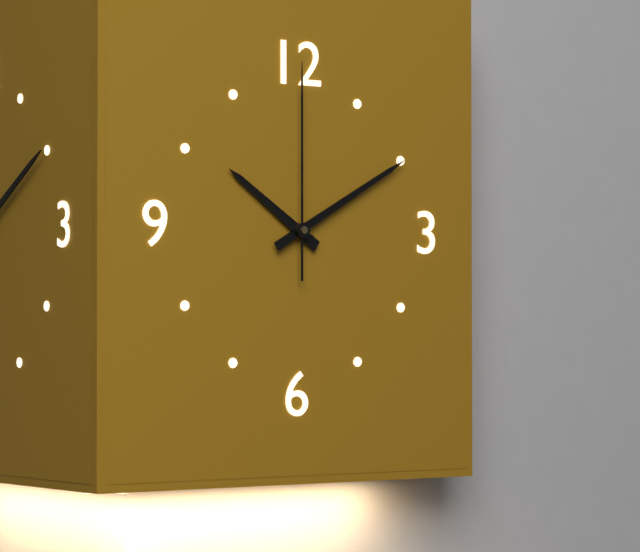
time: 10:10:00
